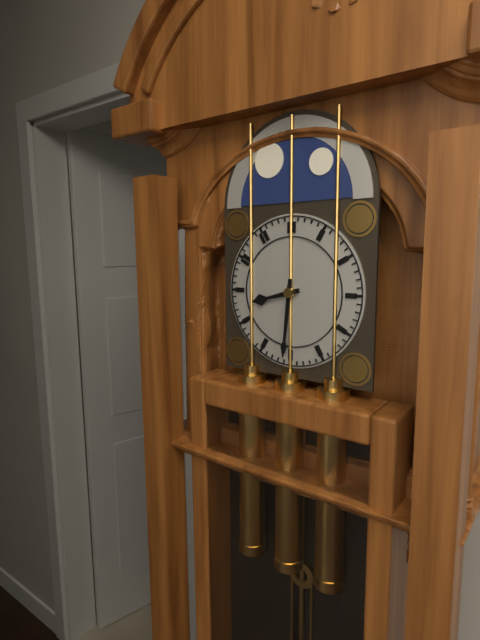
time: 8:31
